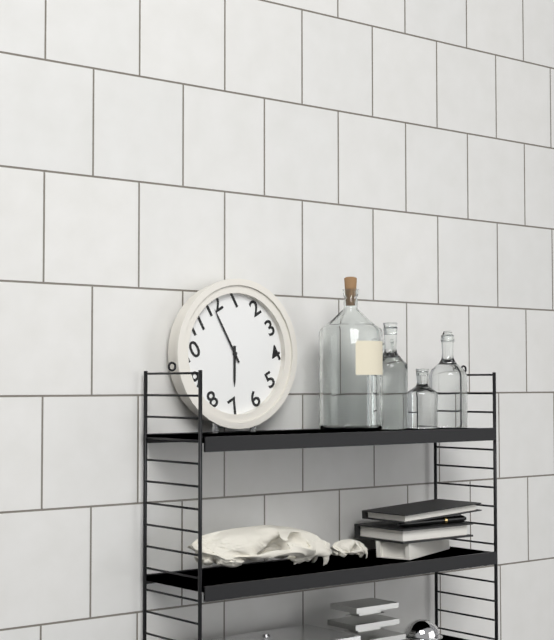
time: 7:00
